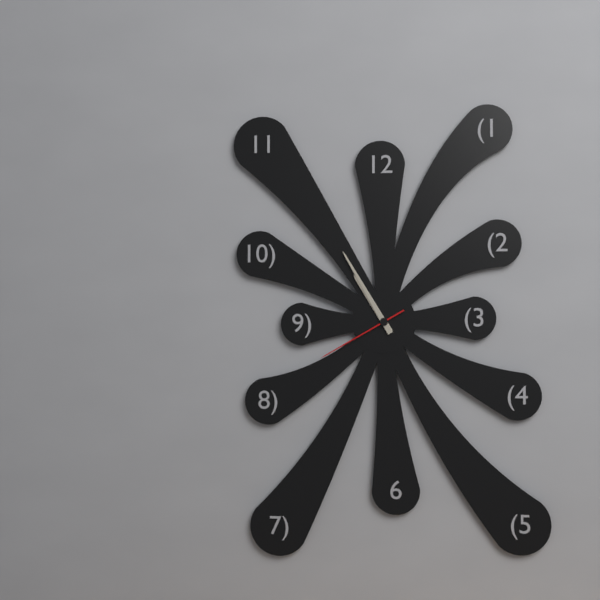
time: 10:55:40
